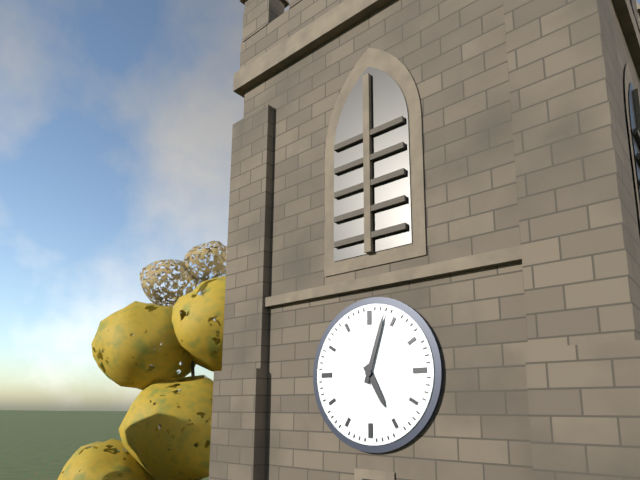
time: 5:03
